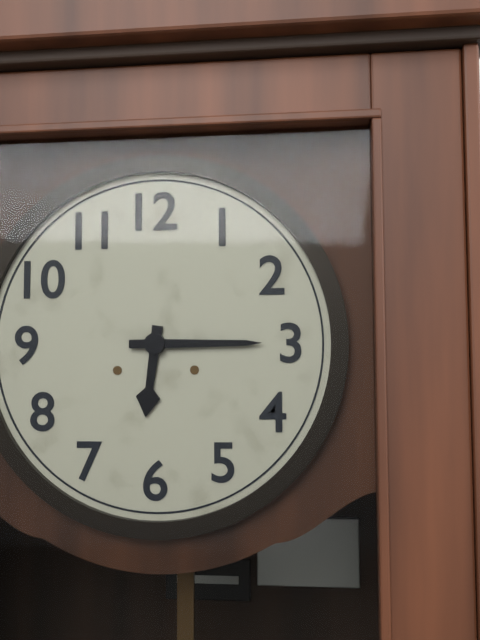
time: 6:15
